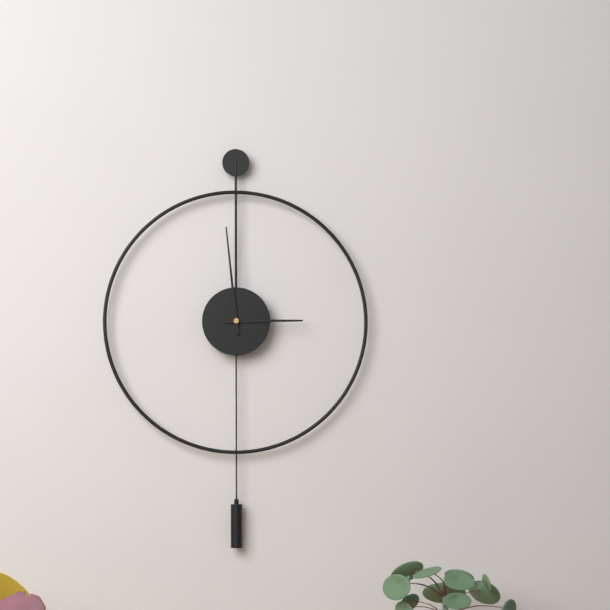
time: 2:59
